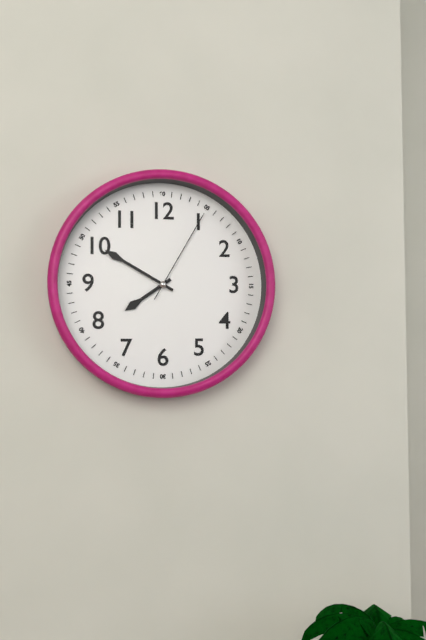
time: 7:50:05
